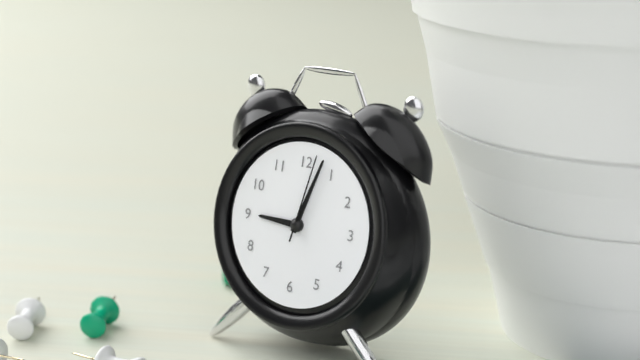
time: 9:03:02
